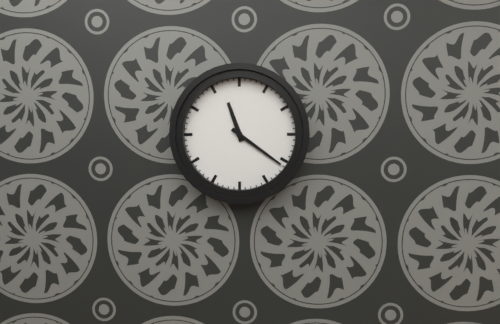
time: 11:21
